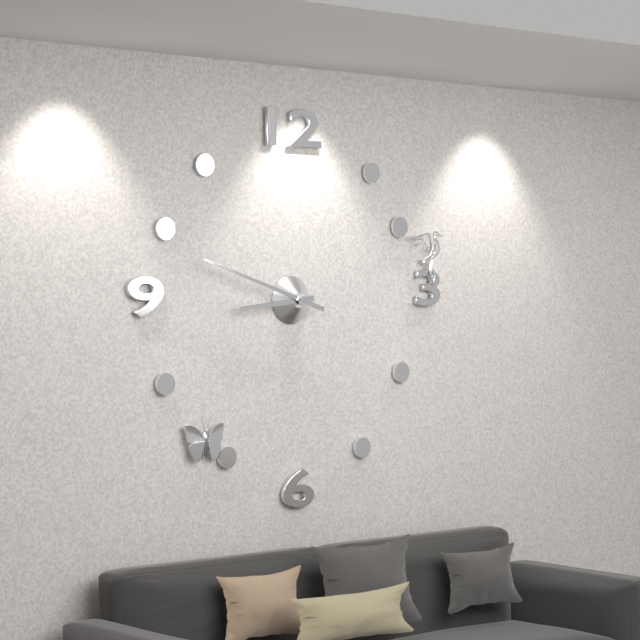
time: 8:48
